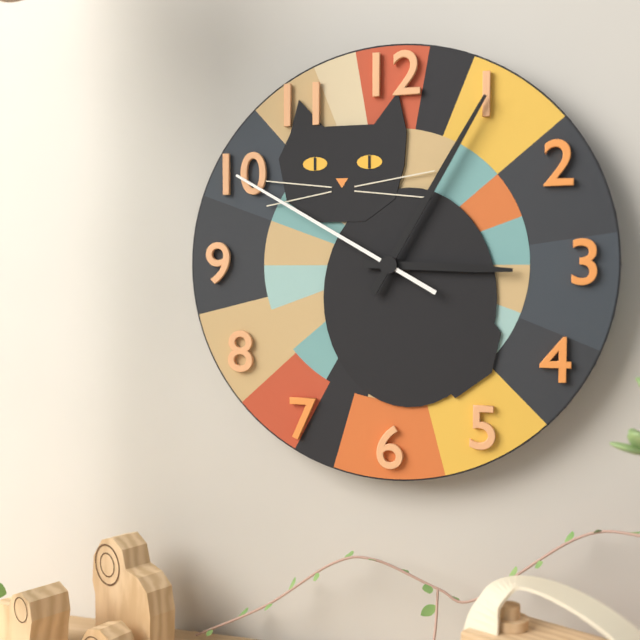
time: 3:05:50
